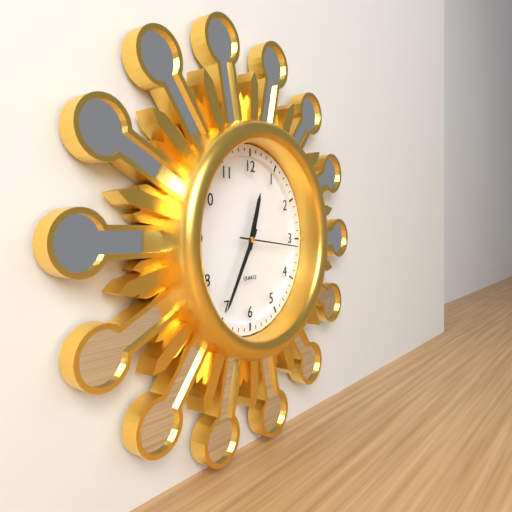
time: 12:35:16
